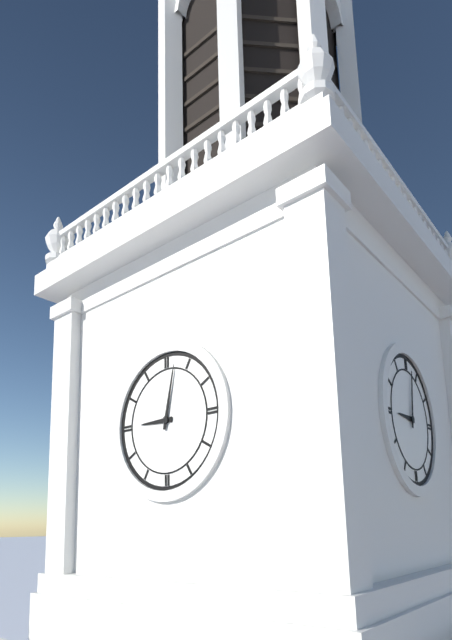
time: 9:02
